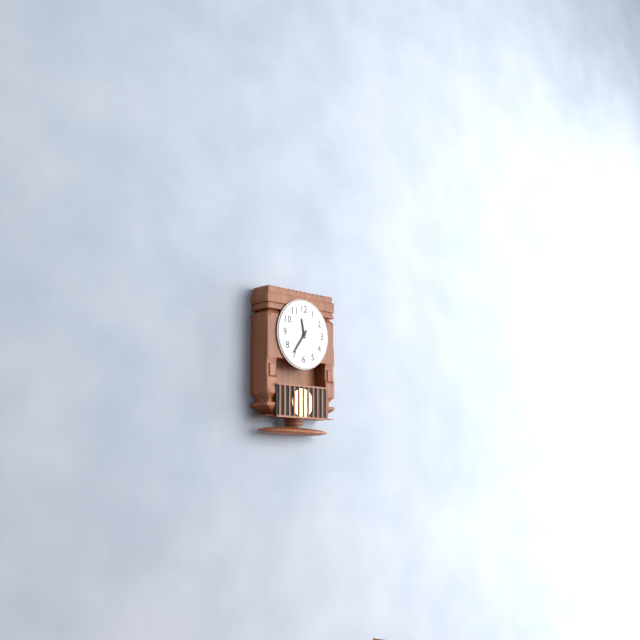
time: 11:36
